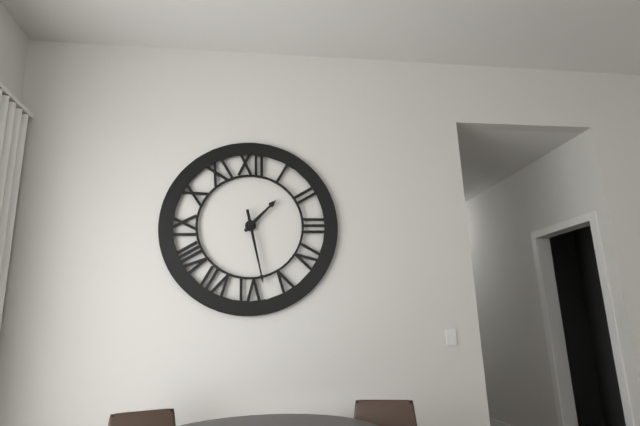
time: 1:28
